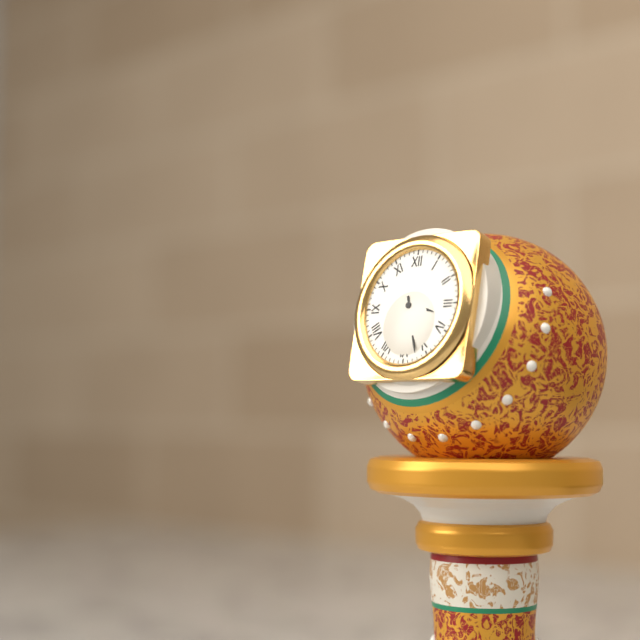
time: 3:27
